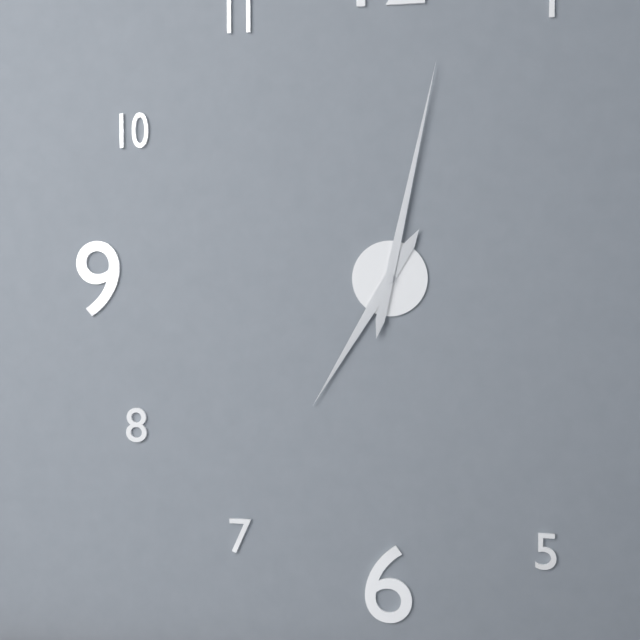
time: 7:02
